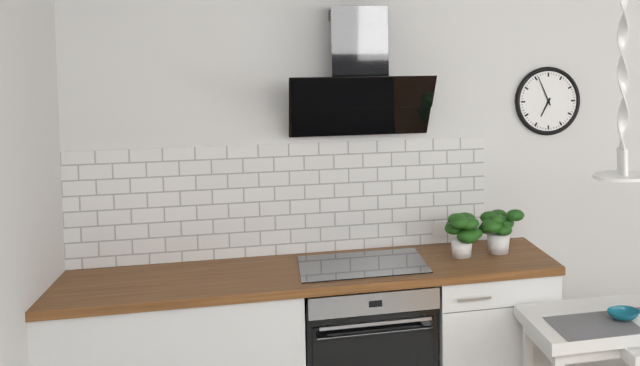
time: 6:56
